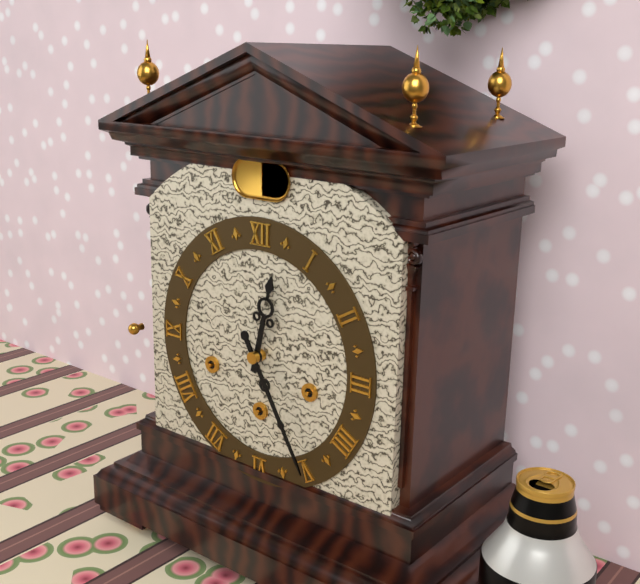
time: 12:25
